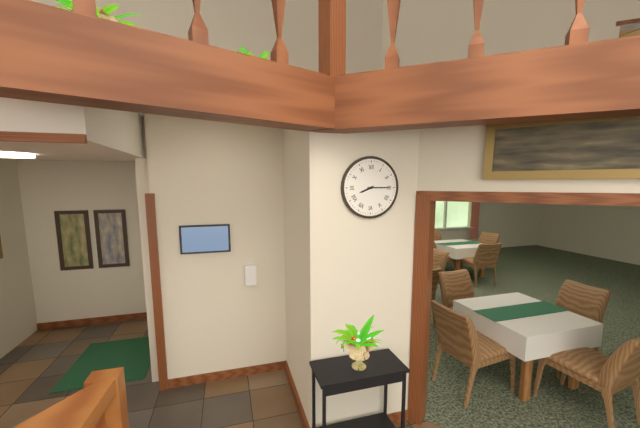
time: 8:15
